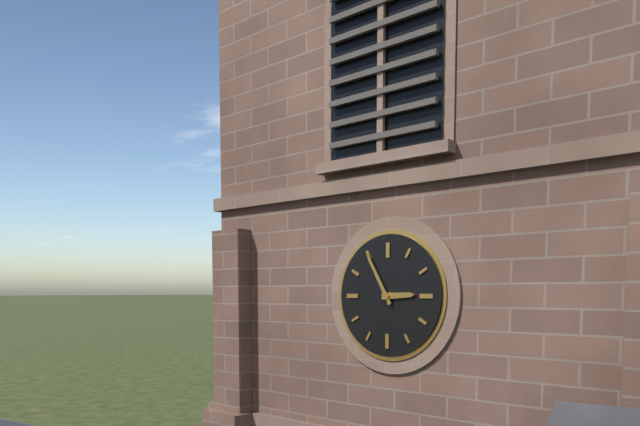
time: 2:55
